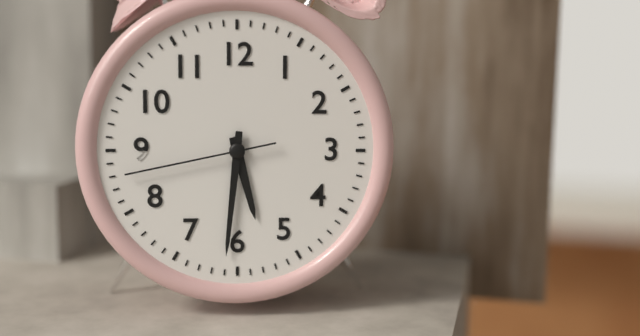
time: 5:31:43
